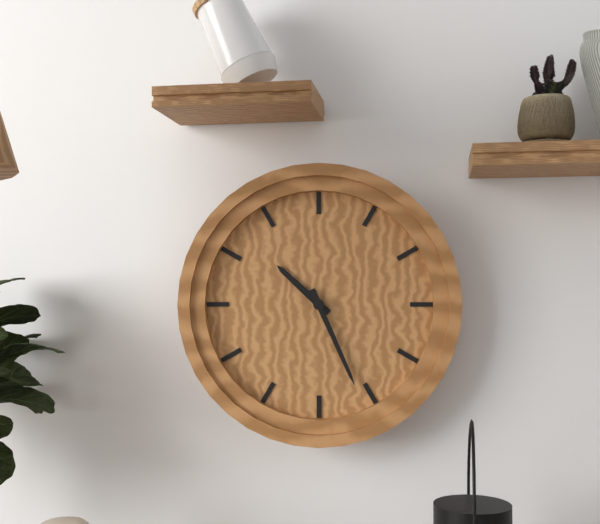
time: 10:26
